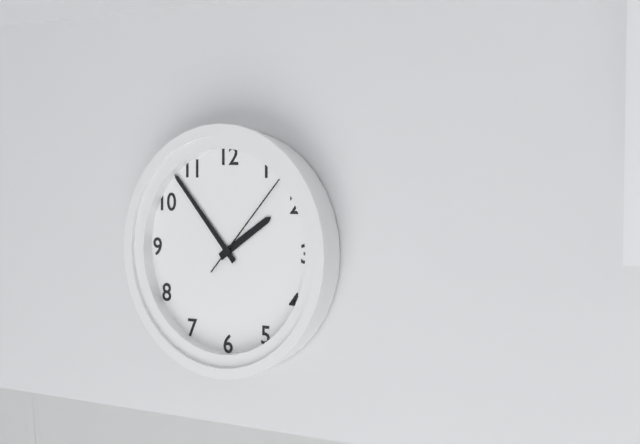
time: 1:53:07
